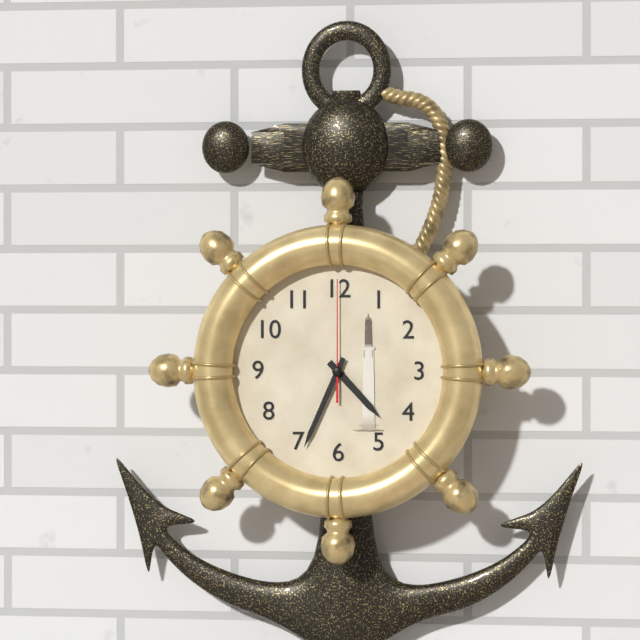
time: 4:34:00
